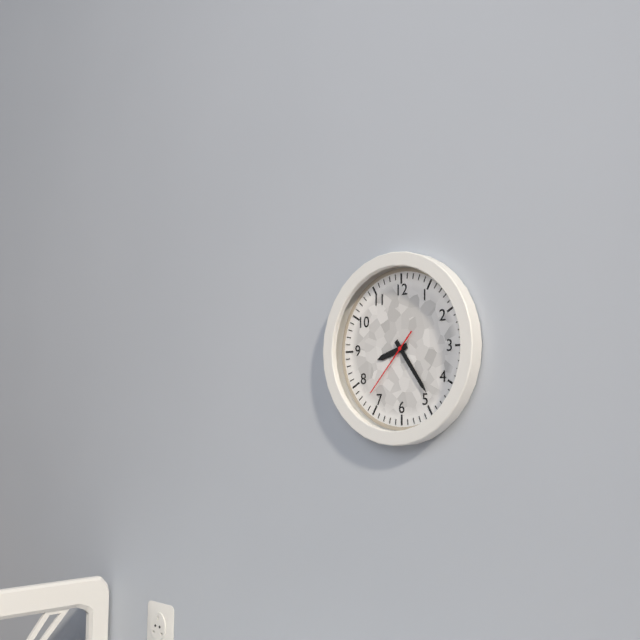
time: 8:24:37
